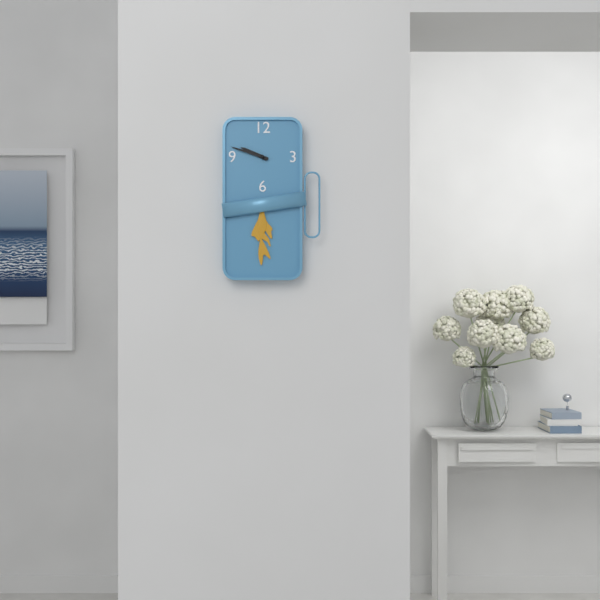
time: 9:48
